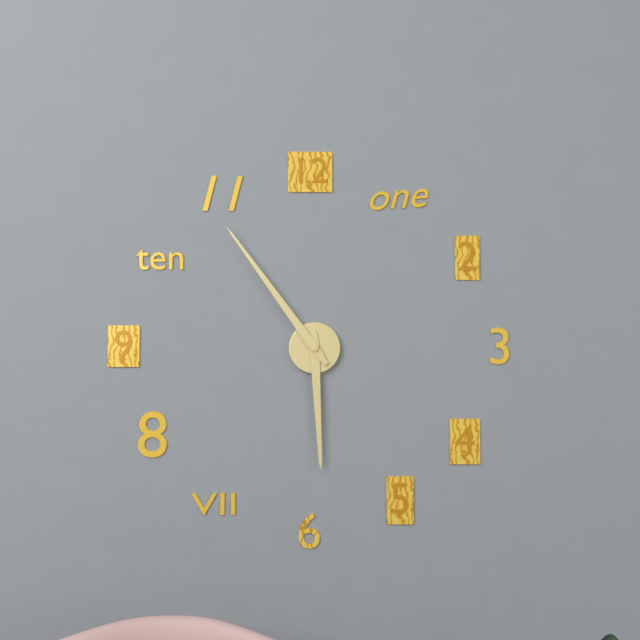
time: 5:54
